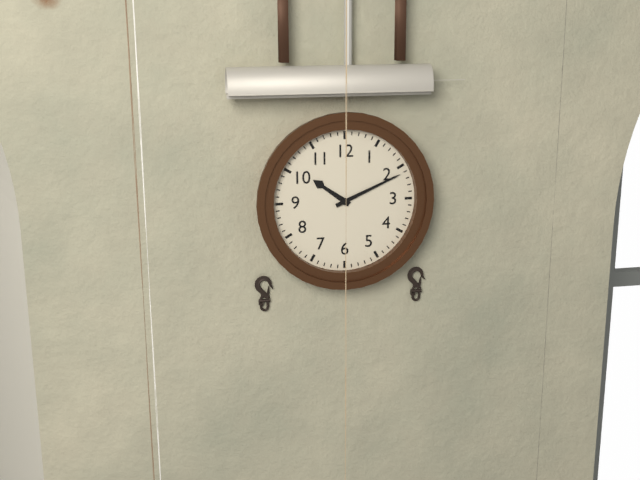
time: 10:11
